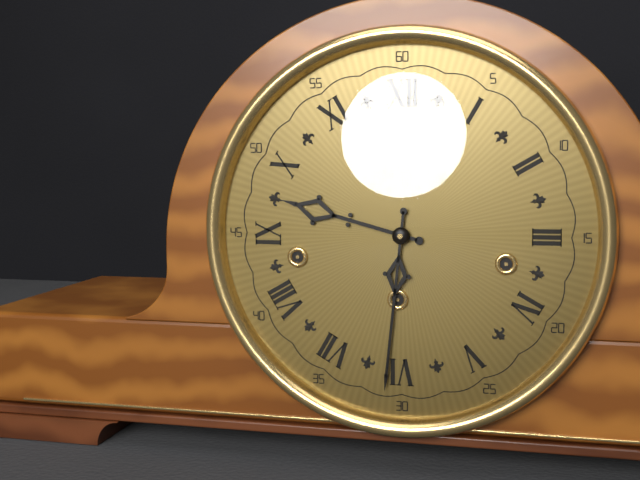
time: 9:31
